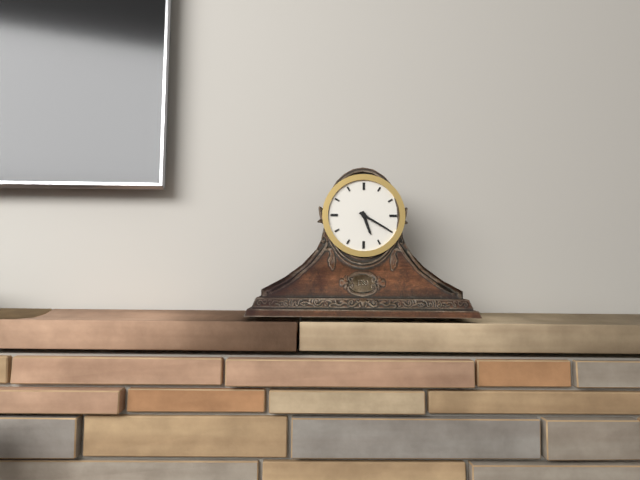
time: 5:20
